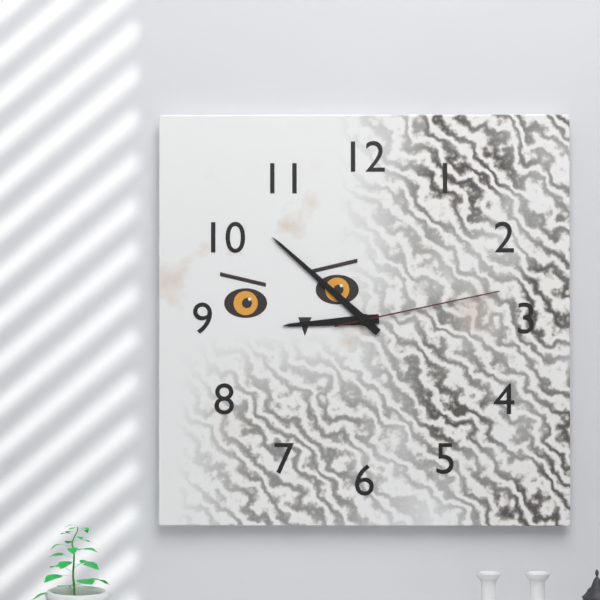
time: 8:52:13
